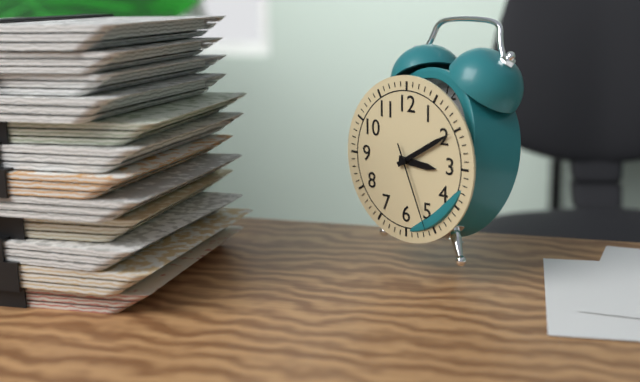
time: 3:10:26
